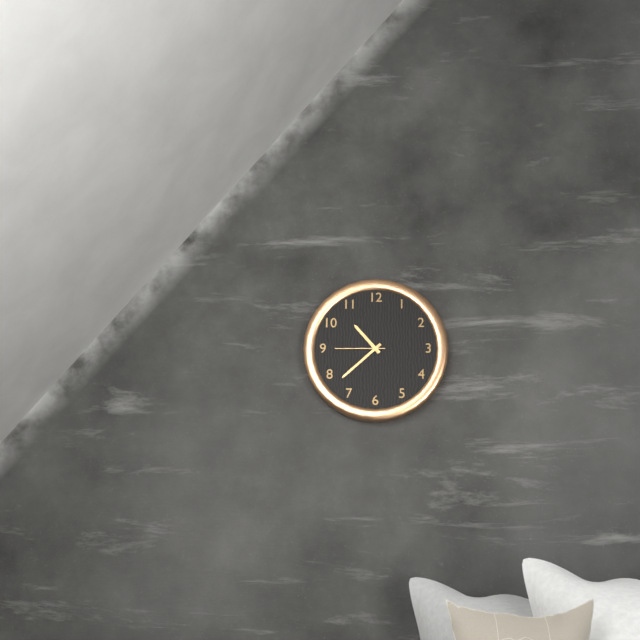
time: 10:38:45
